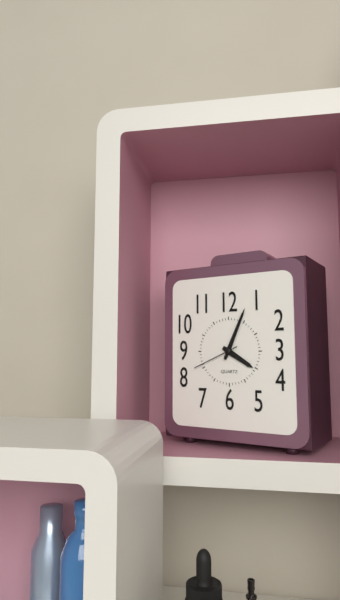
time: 4:04
